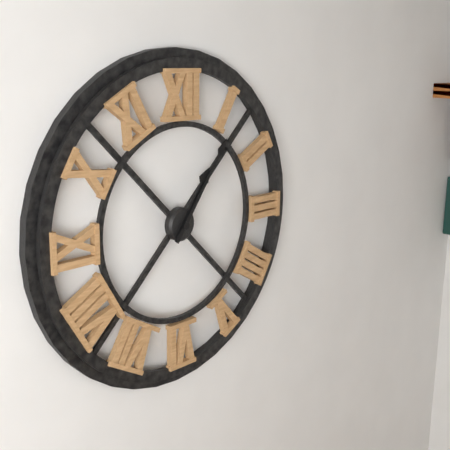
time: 1:06
